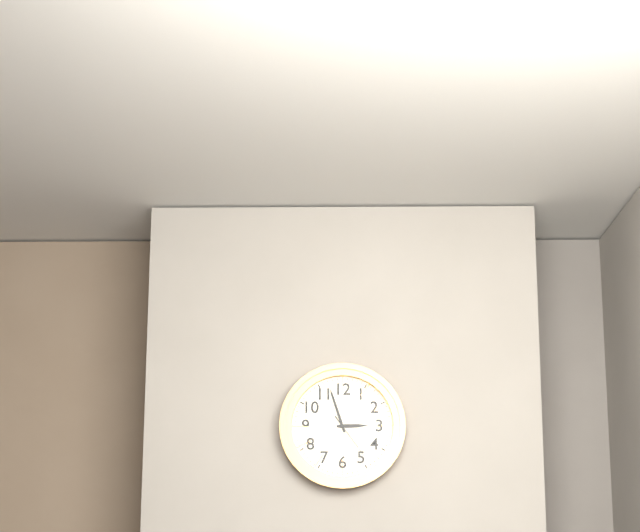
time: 2:57:24
